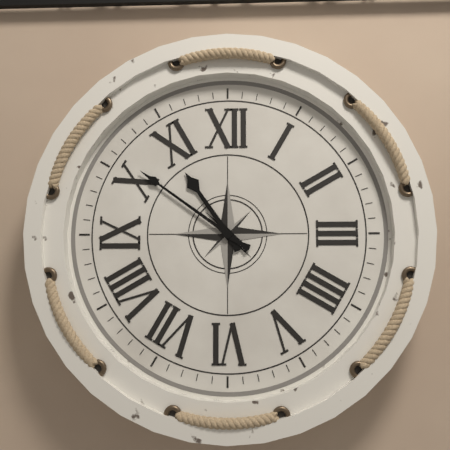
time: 10:51
